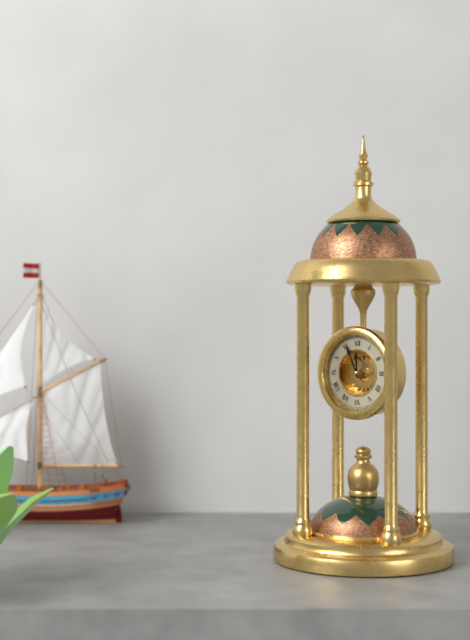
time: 11:56
